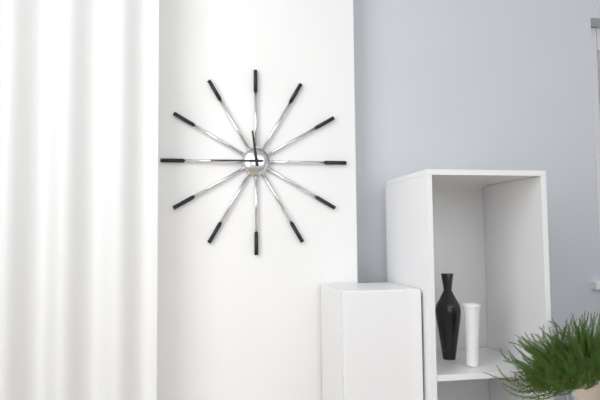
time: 11:45
